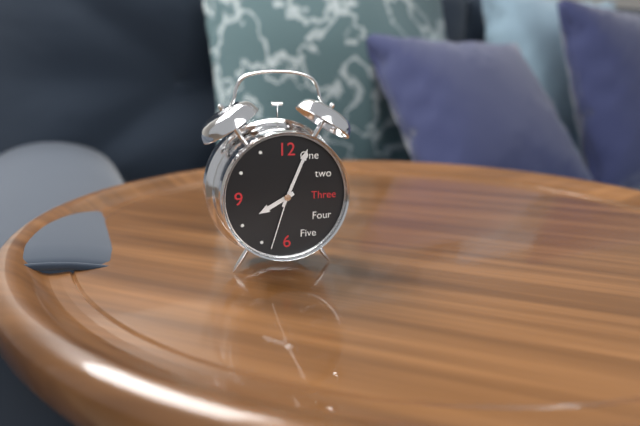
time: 8:04:33
